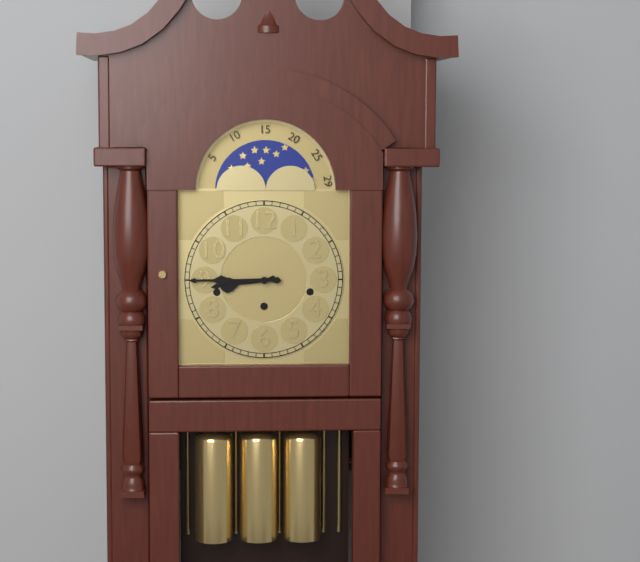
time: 8:45
